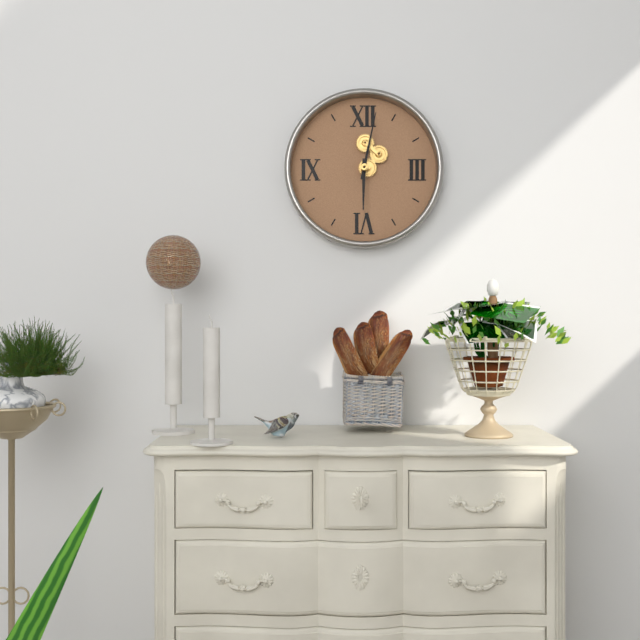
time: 6:02
